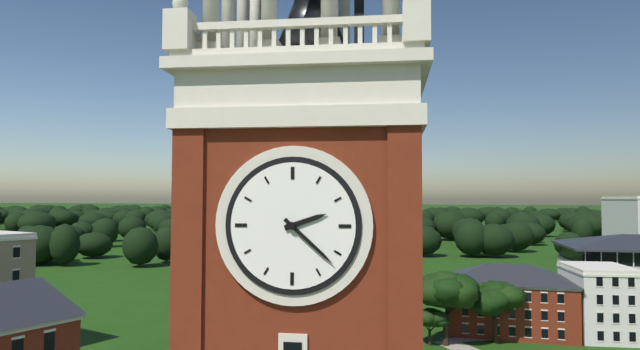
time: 2:22
